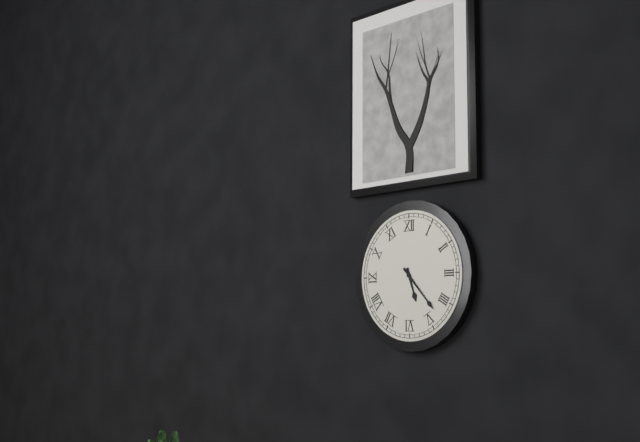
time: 5:23
